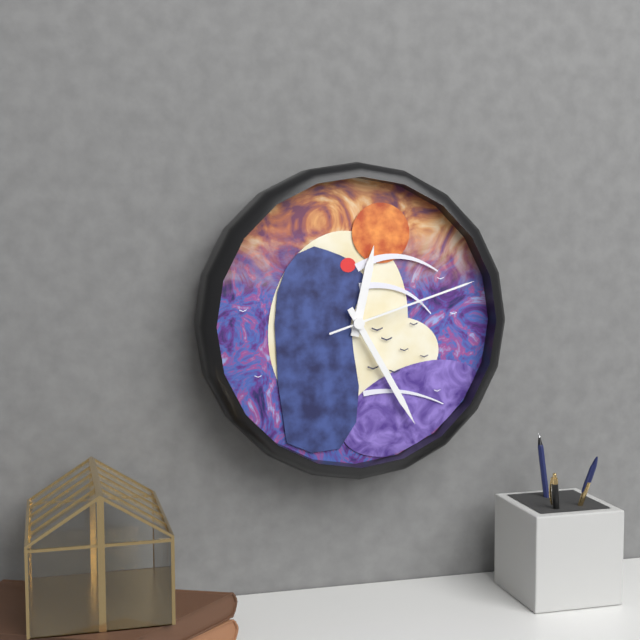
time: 12:25:12
